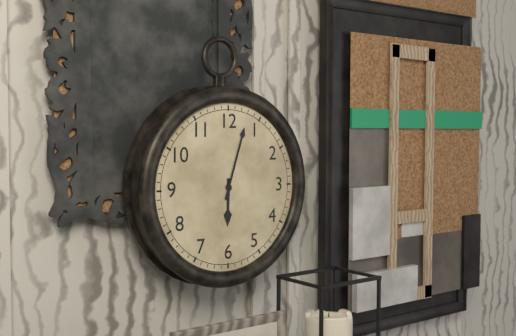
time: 6:03
